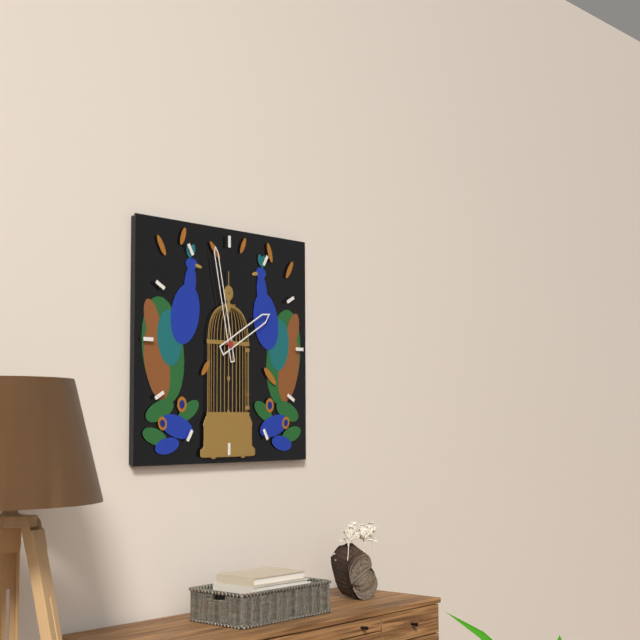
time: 1:58
